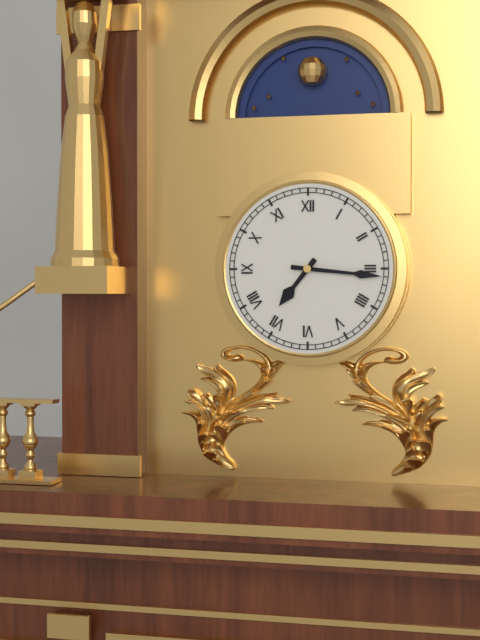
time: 7:16
